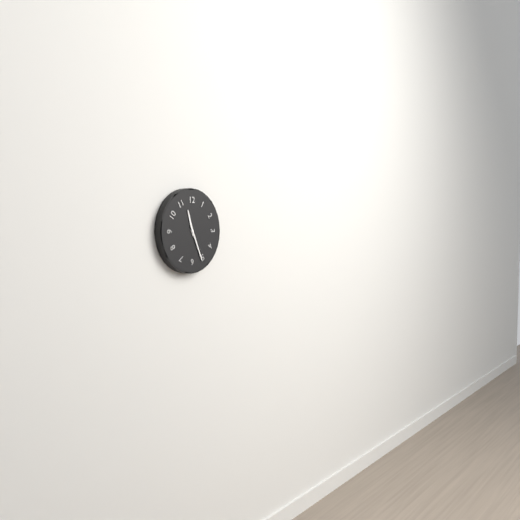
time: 11:26
